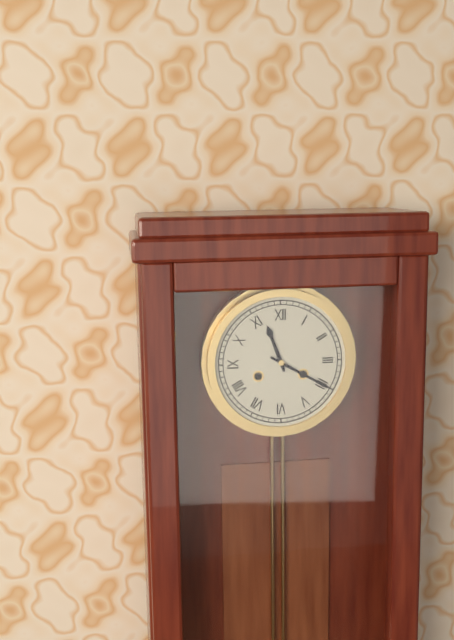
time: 11:20
